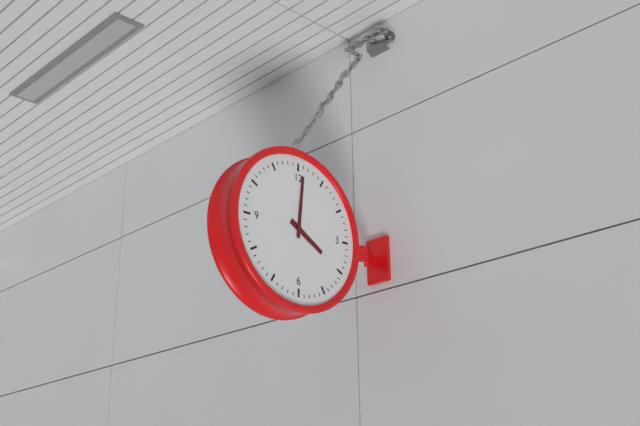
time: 4:01
